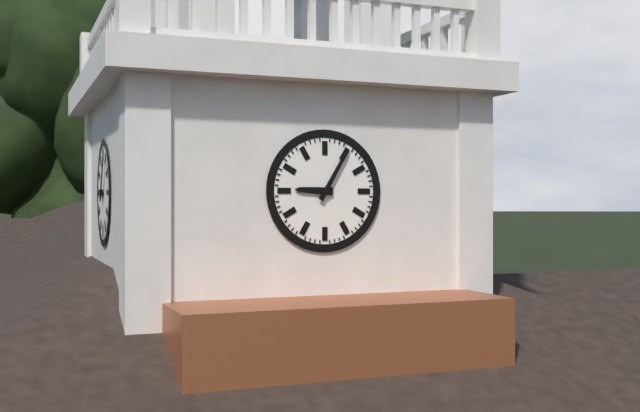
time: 9:05
